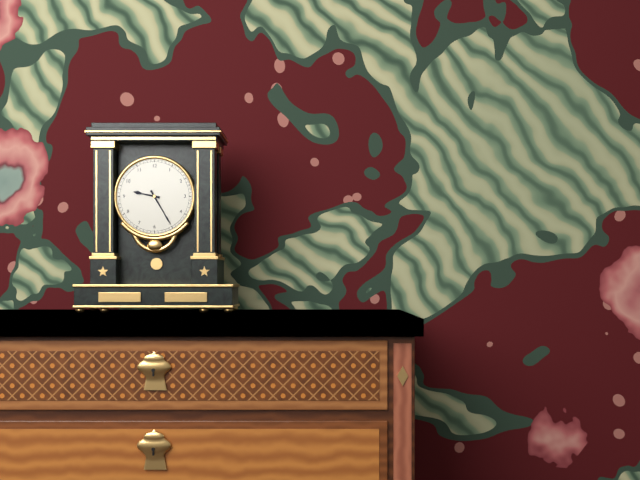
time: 9:25
